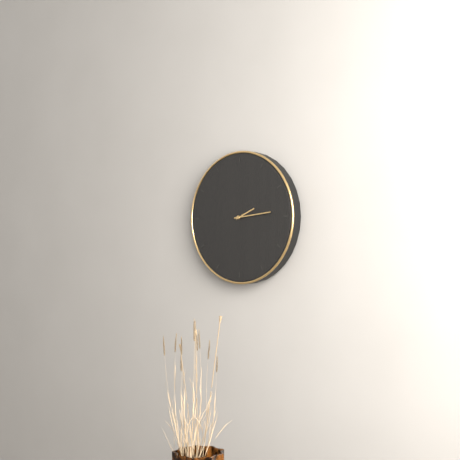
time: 2:14
